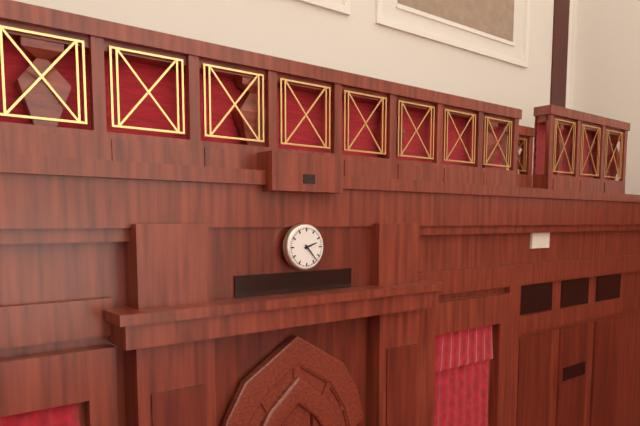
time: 2:23
